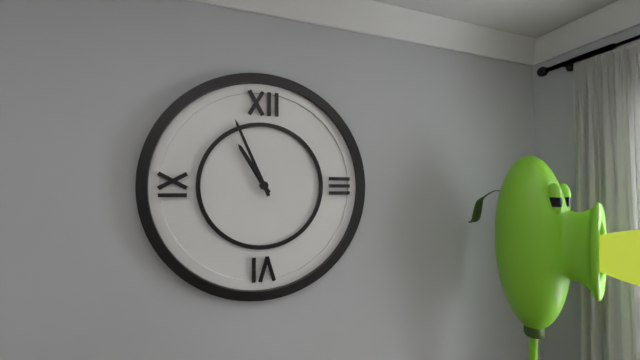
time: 10:56
